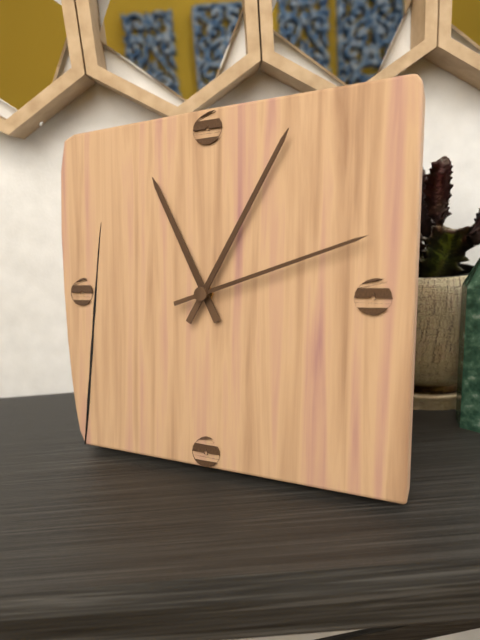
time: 11:05:12
